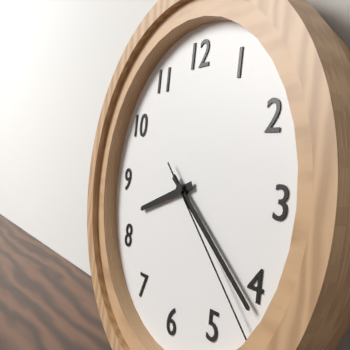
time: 8:21:22
